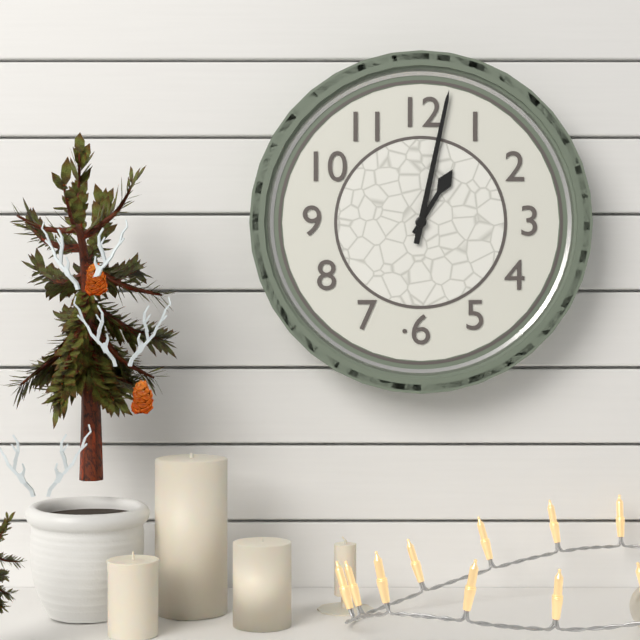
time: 1:02
